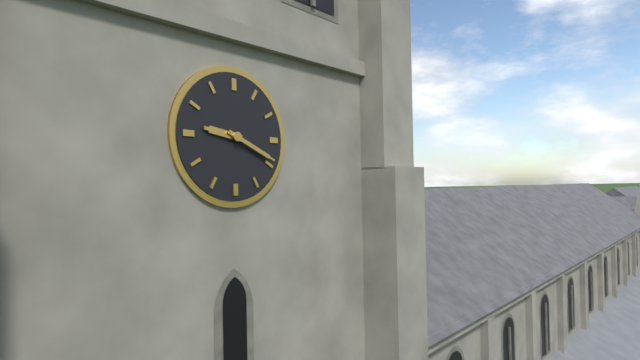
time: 9:19
